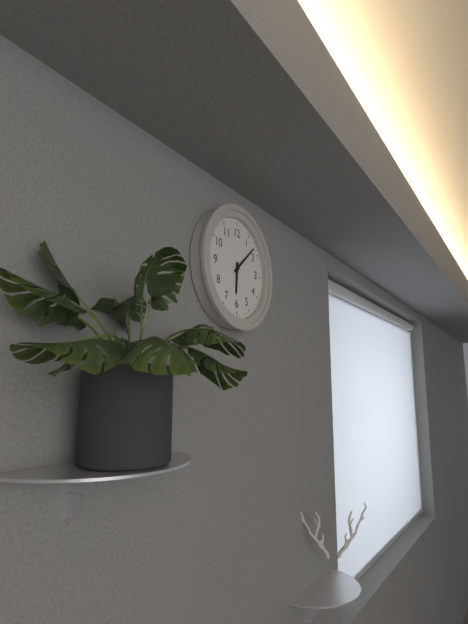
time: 6:08
